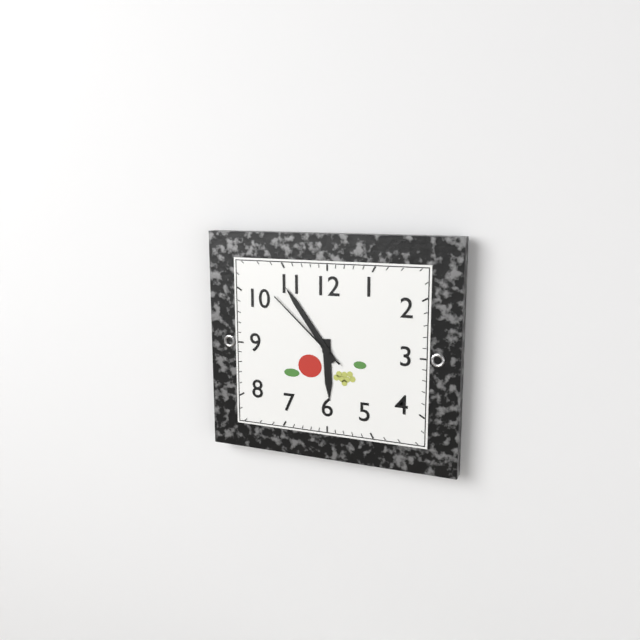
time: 5:54:52
